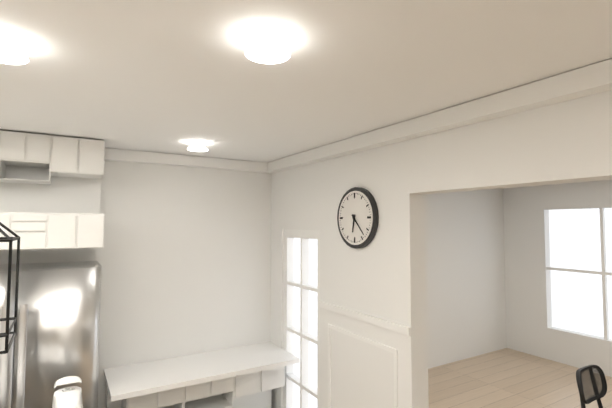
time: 6:23
